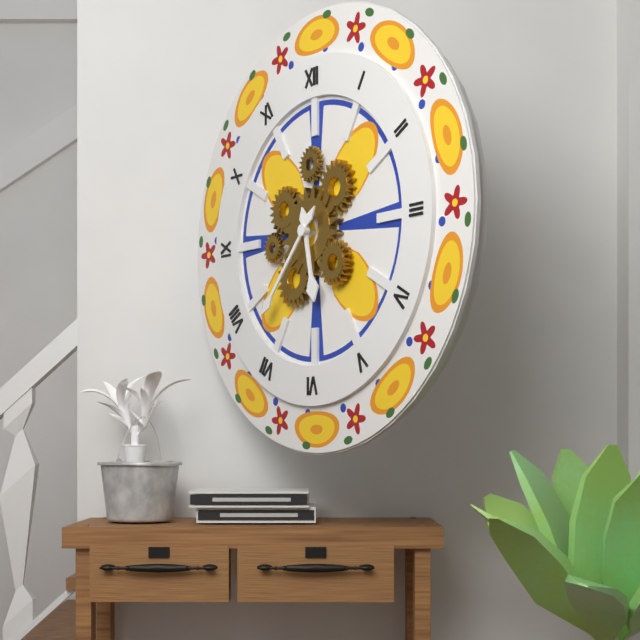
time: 5:37
